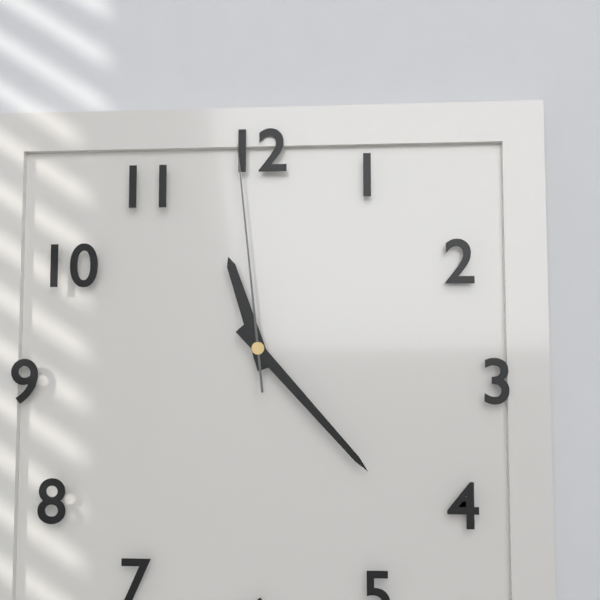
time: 11:23:59
